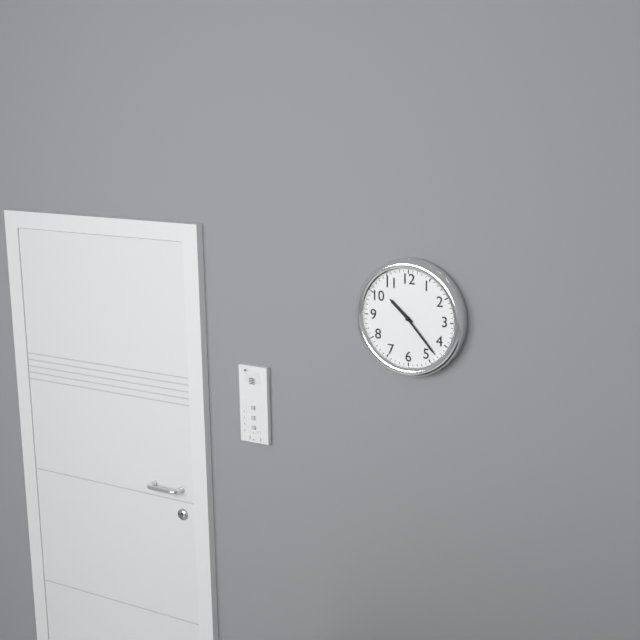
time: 10:23
